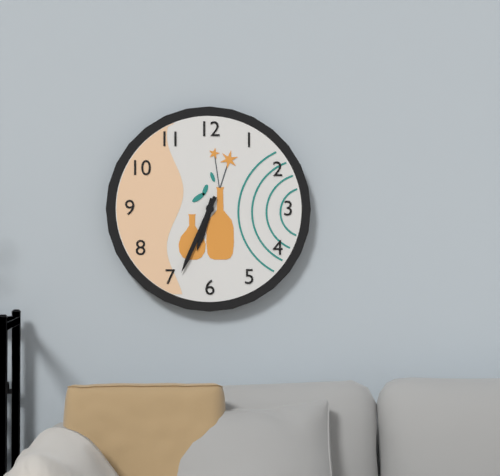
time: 6:34
